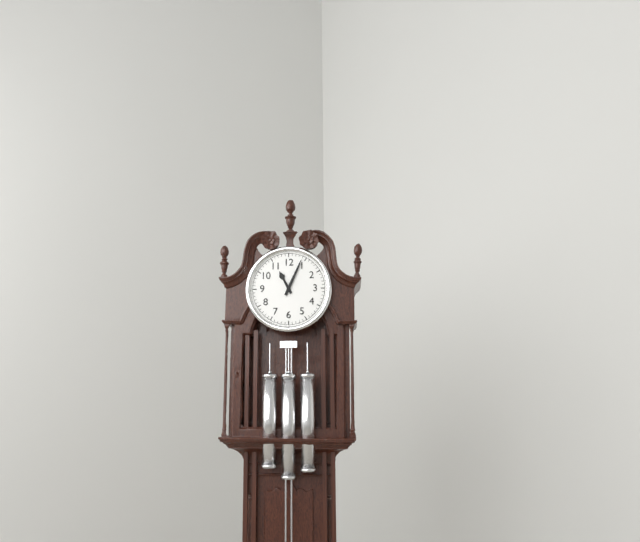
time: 11:04
